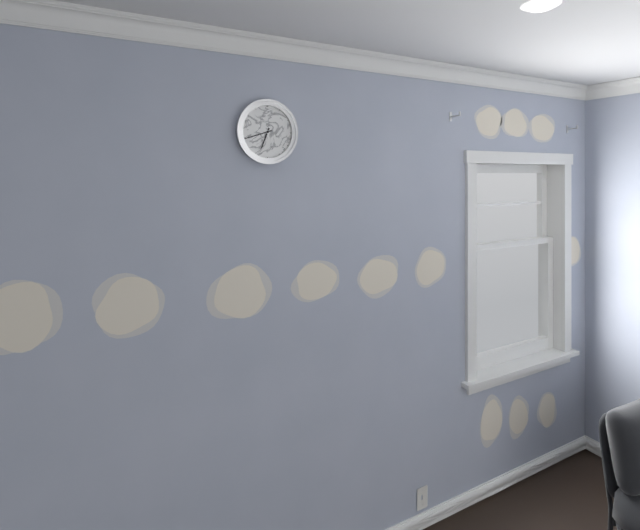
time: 6:42
